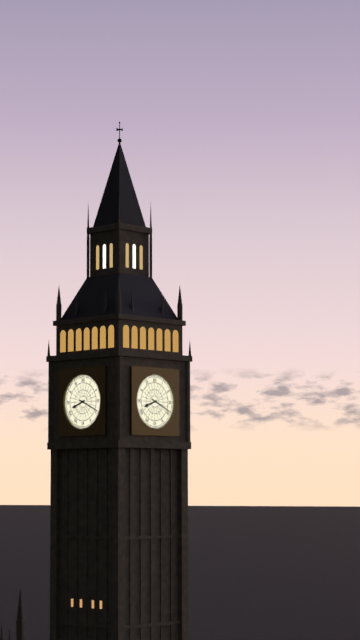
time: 8:19
